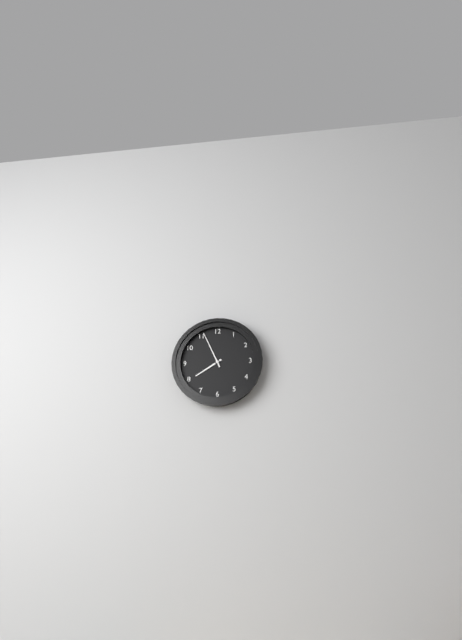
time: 7:56
